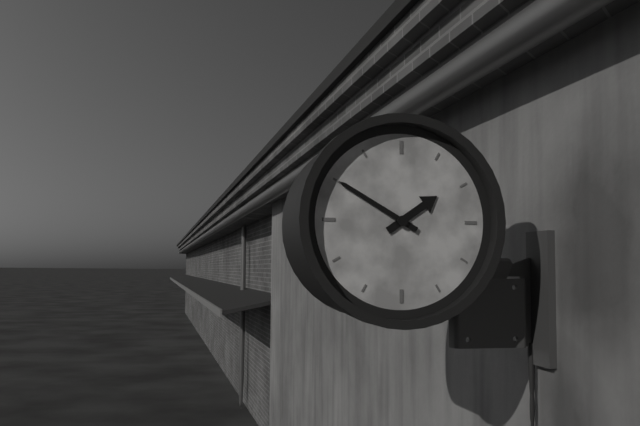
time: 1:50
